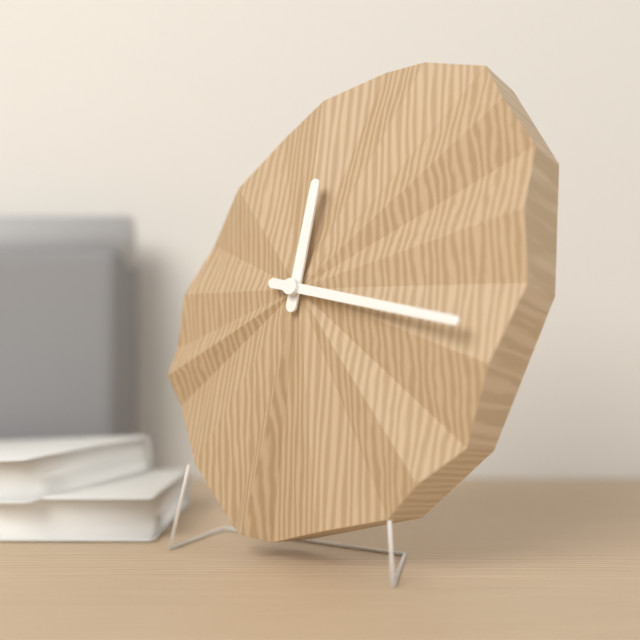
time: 12:17
